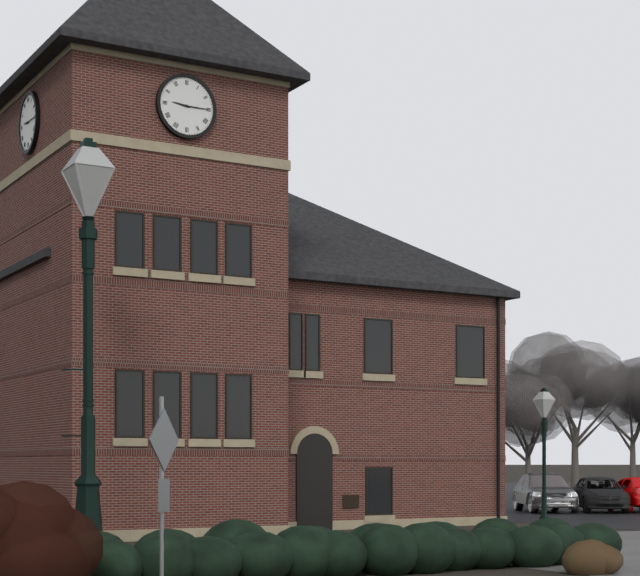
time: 9:15
